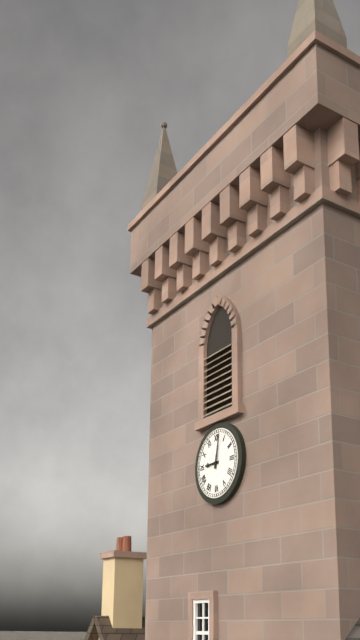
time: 9:02
